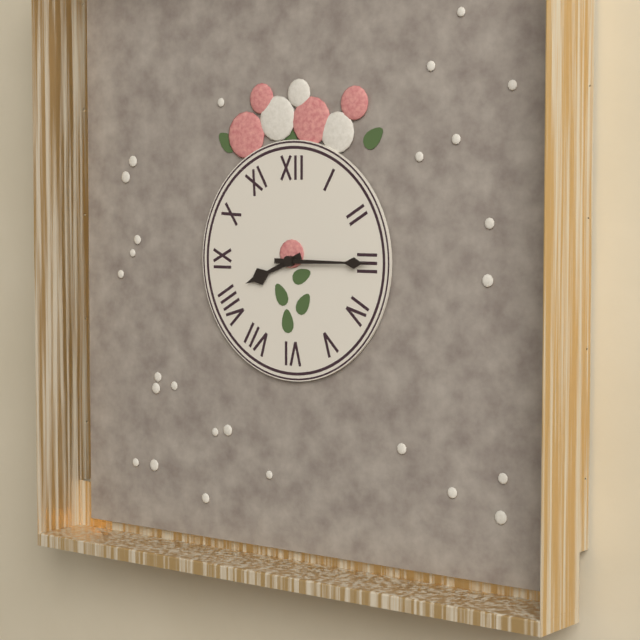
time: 8:15
